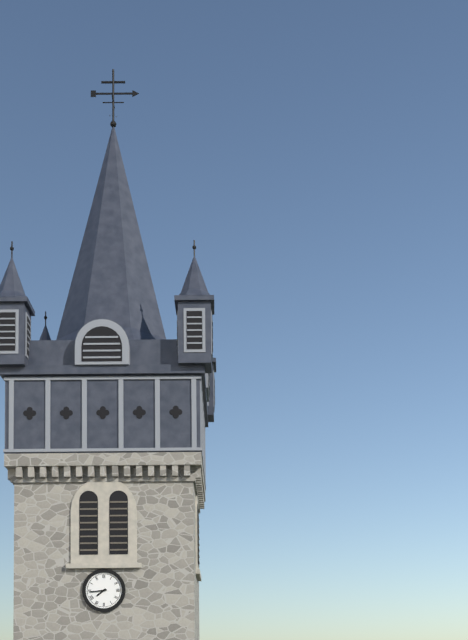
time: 7:44
